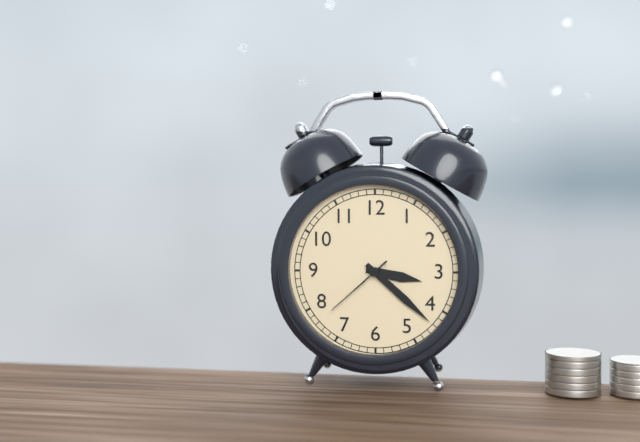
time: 3:22:38
